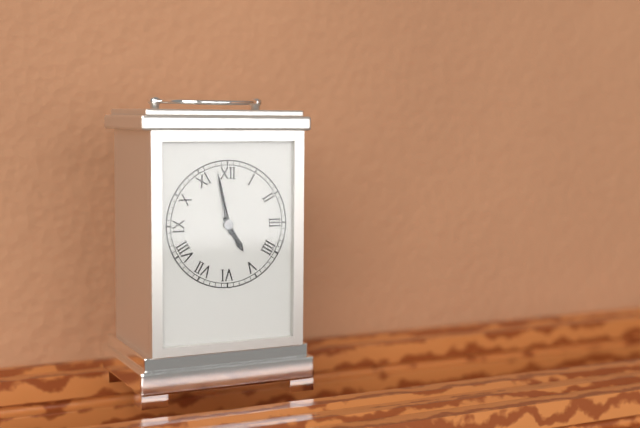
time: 4:58
